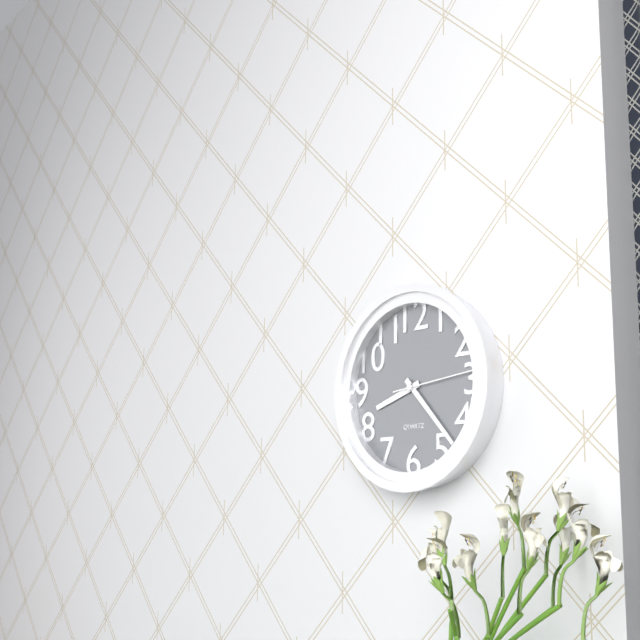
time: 8:23:14
